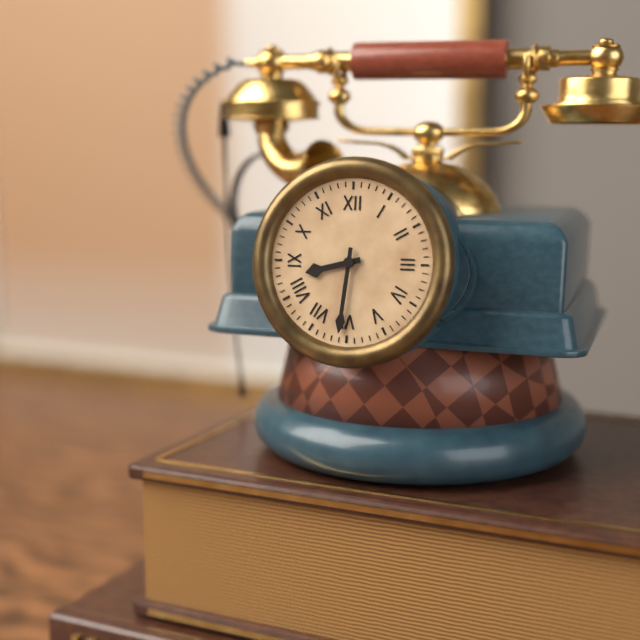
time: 8:31
